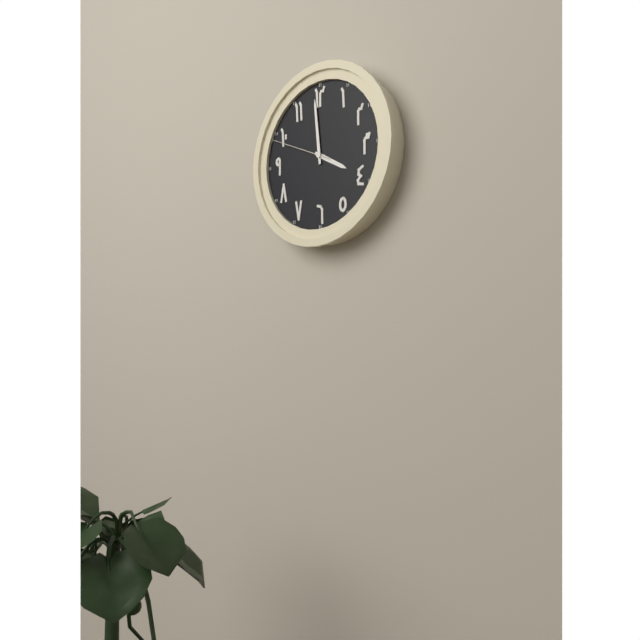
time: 3:59:49
